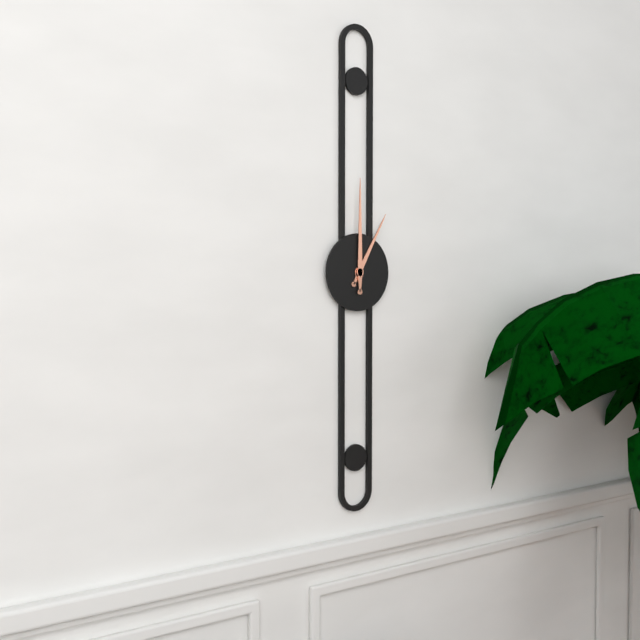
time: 1:00
